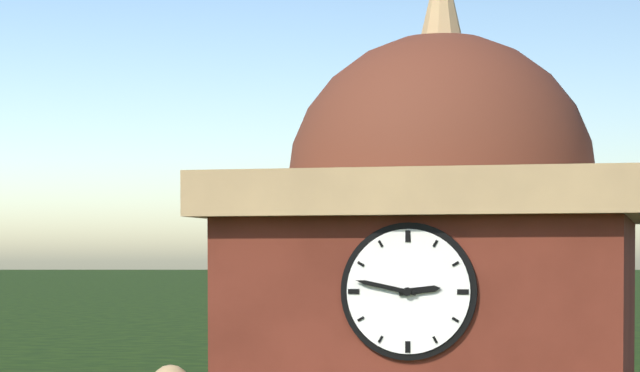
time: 2:47
